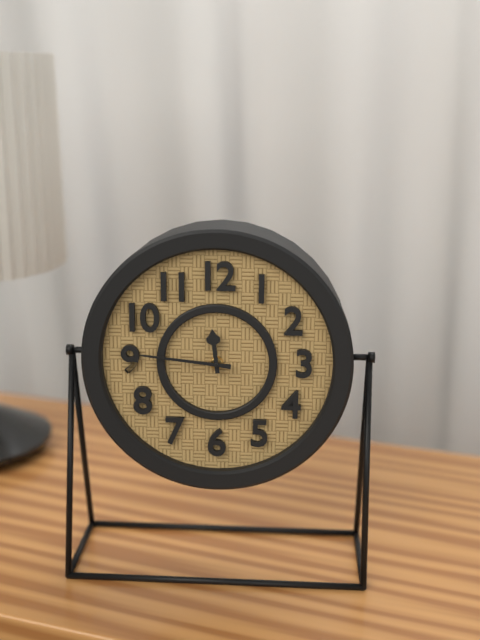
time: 11:46
